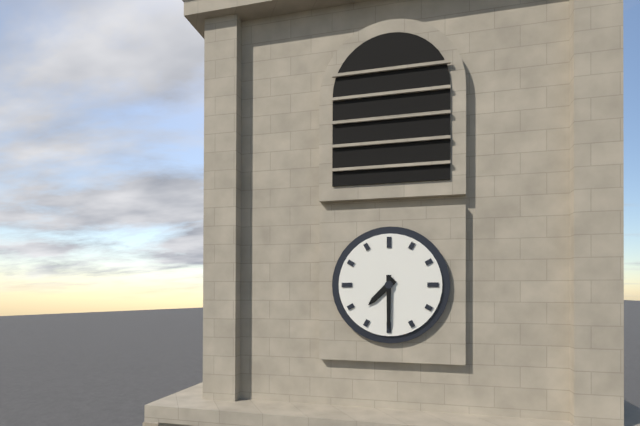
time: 7:30
